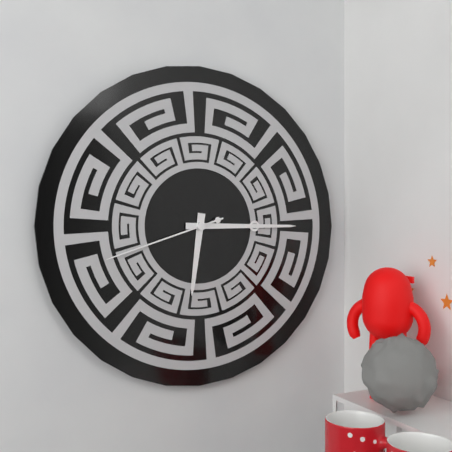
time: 6:15:42
